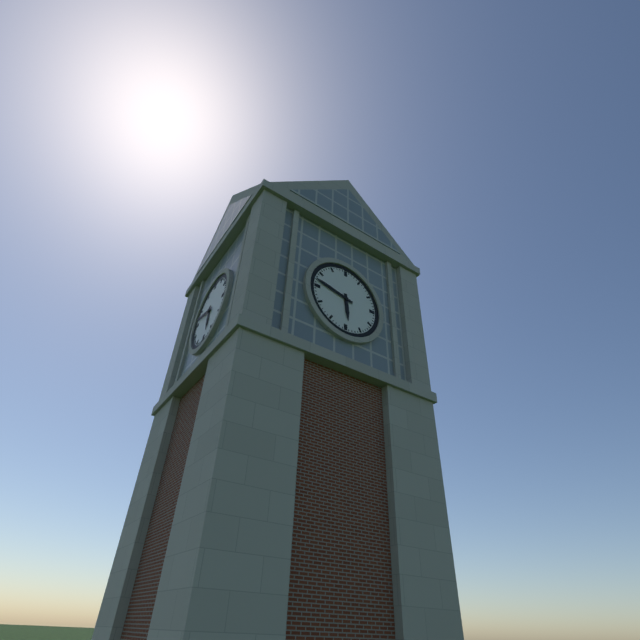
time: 5:47
